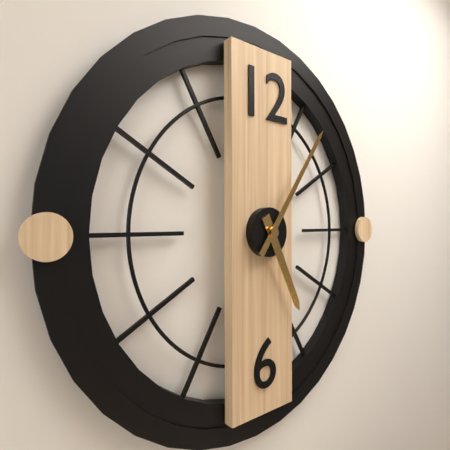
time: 5:06
